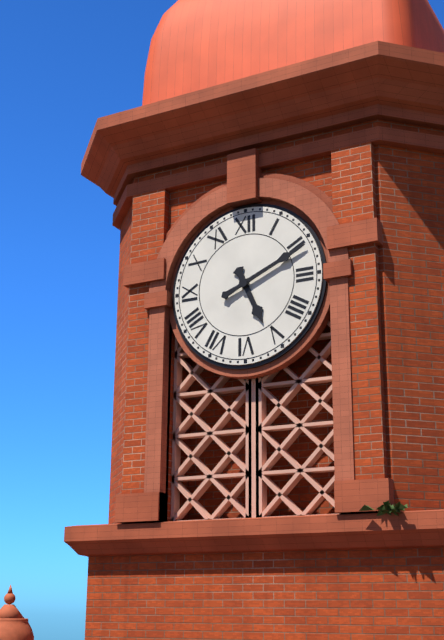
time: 5:11
